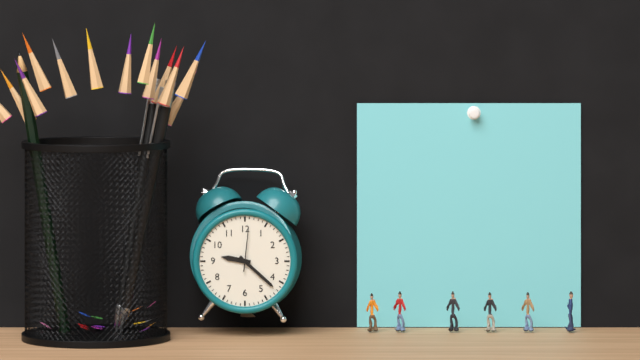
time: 9:22
